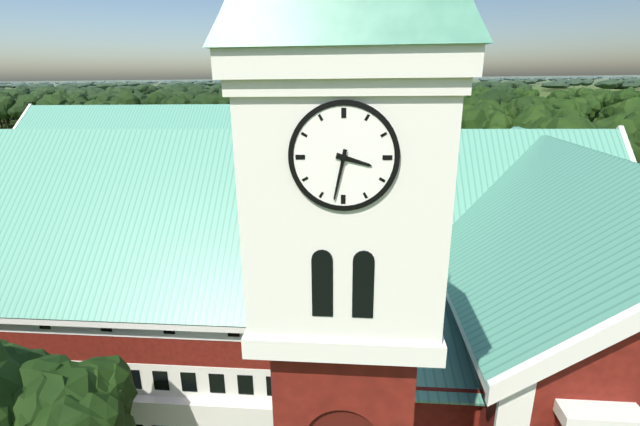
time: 3:32
